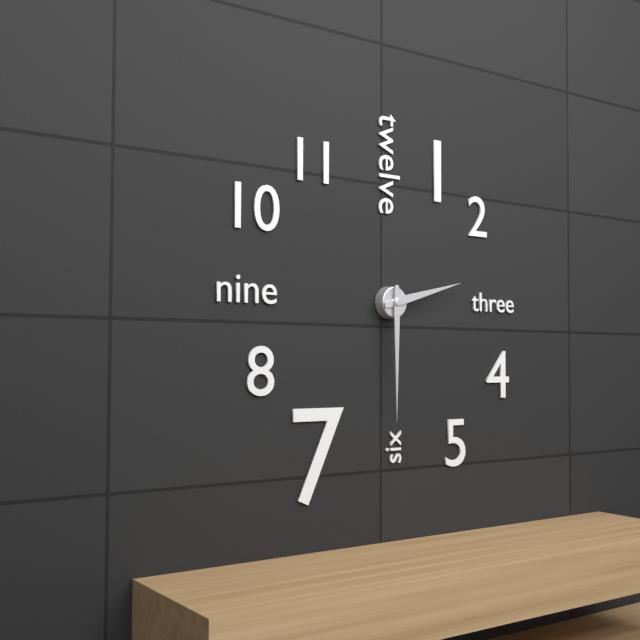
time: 2:30
